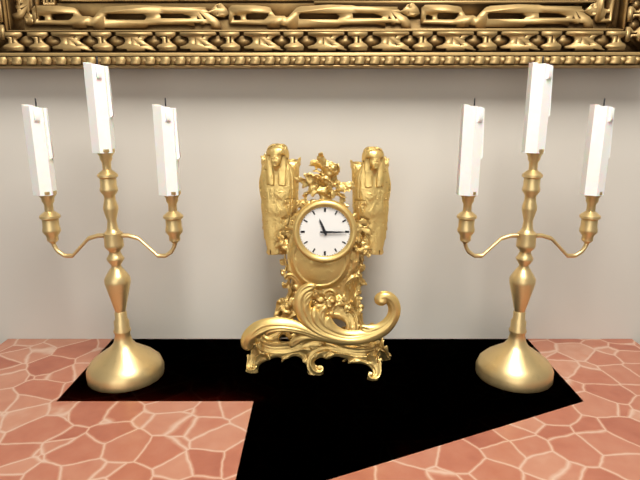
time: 11:15
